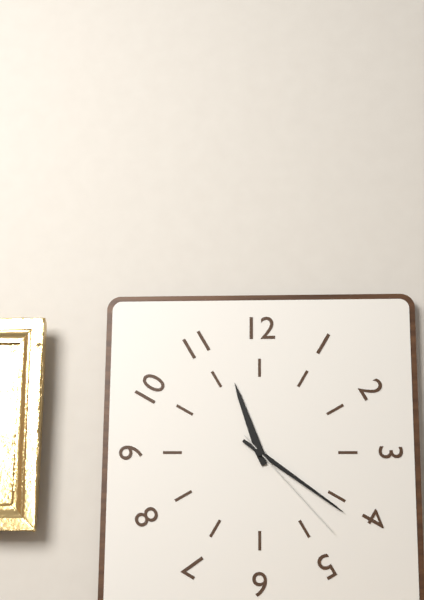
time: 11:21:23
